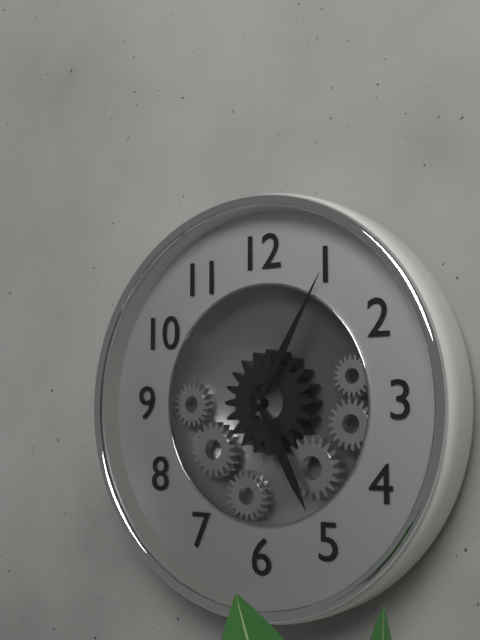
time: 5:05
